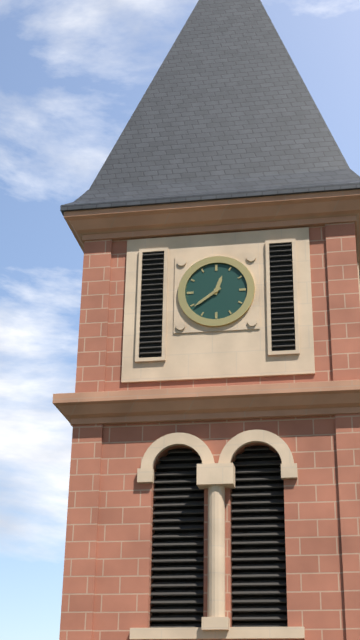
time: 12:39
